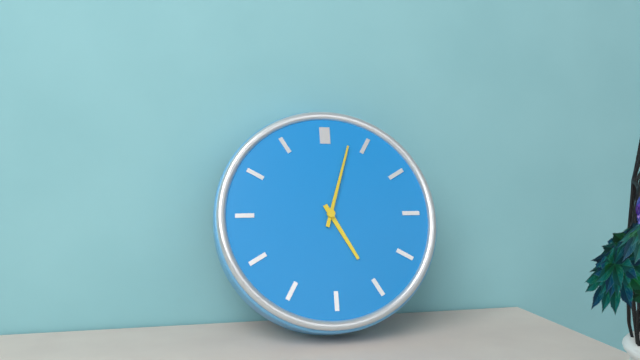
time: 5:03
